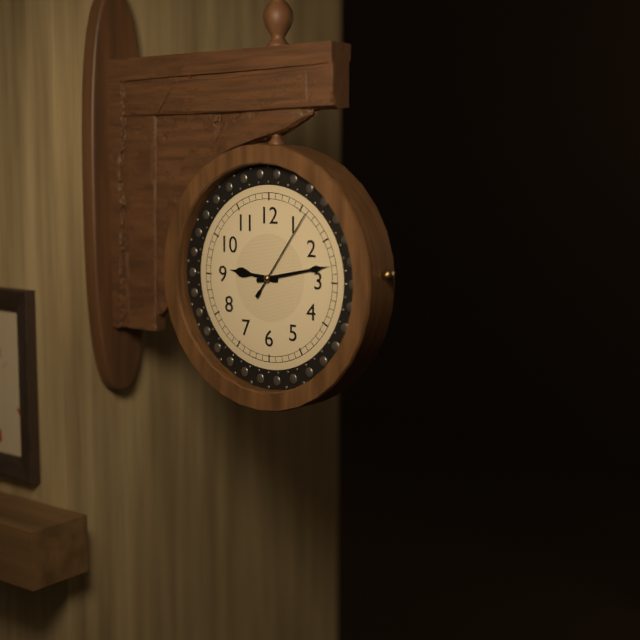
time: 9:13:06
